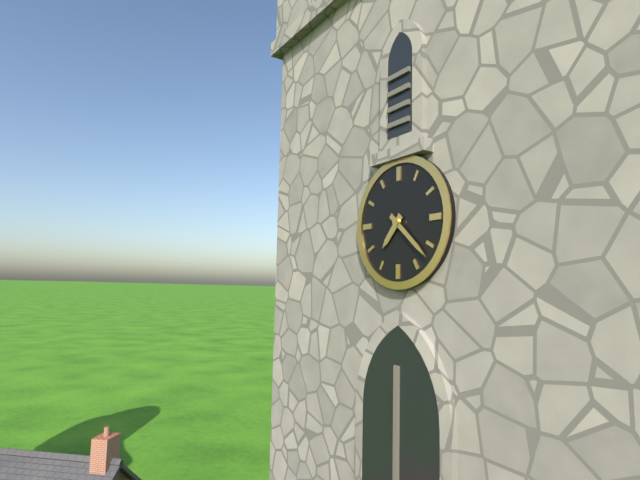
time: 7:22
